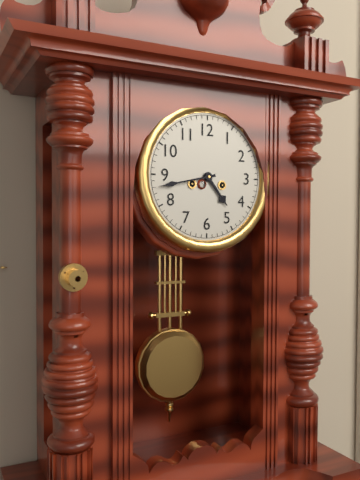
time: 4:43
